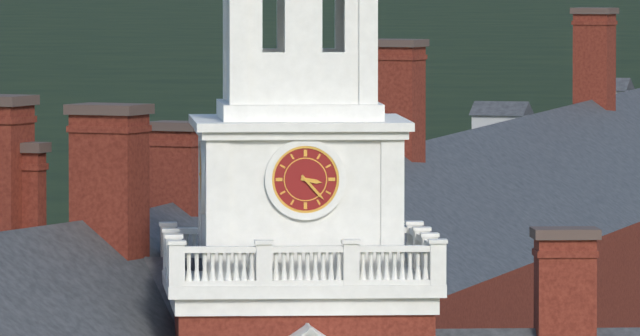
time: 3:23
